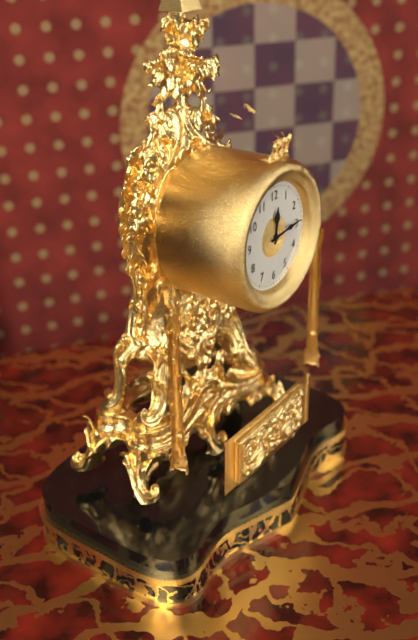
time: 12:14
